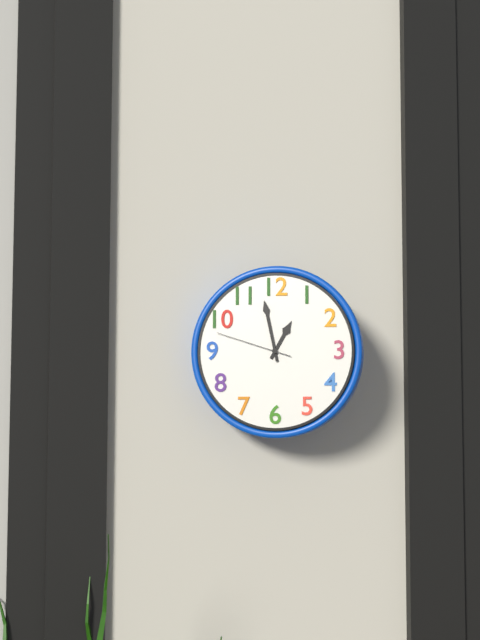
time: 12:58:48
